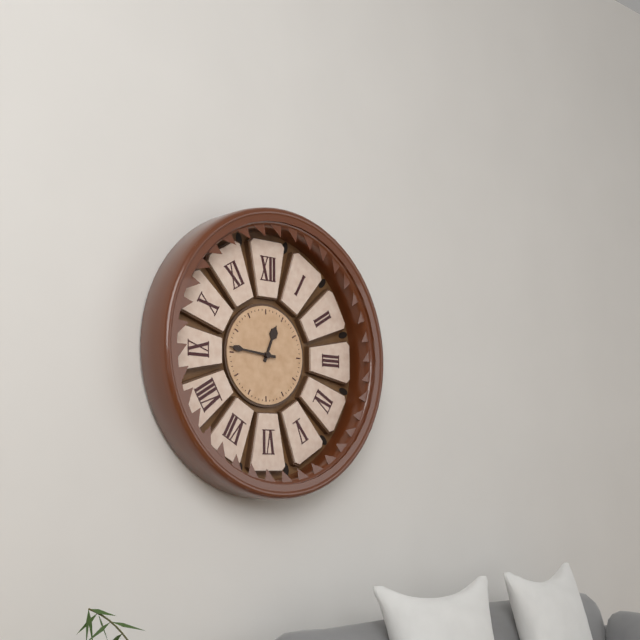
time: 12:46
